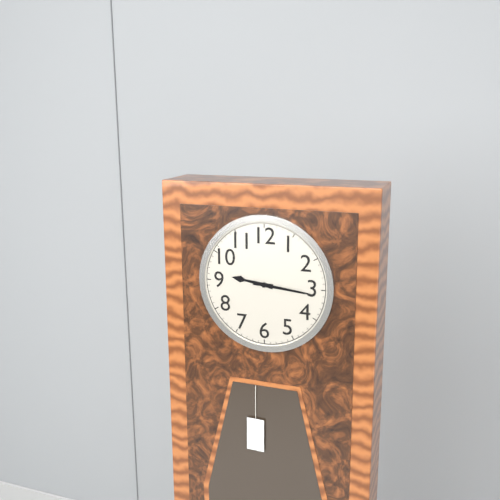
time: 9:16
